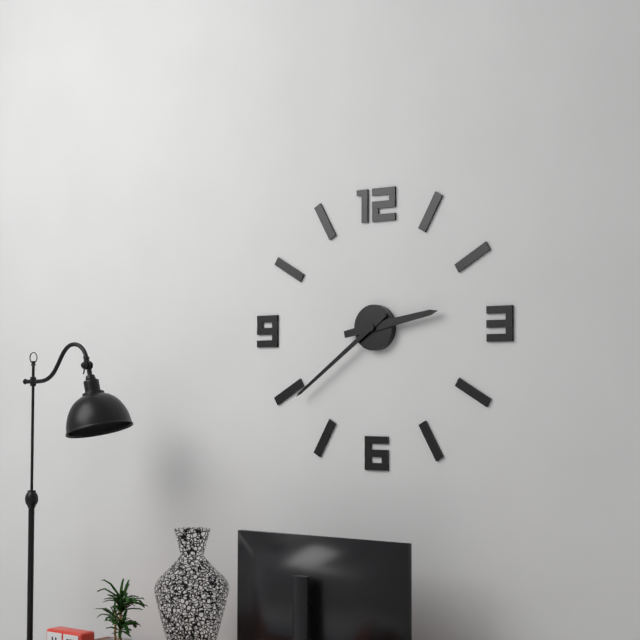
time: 2:39
